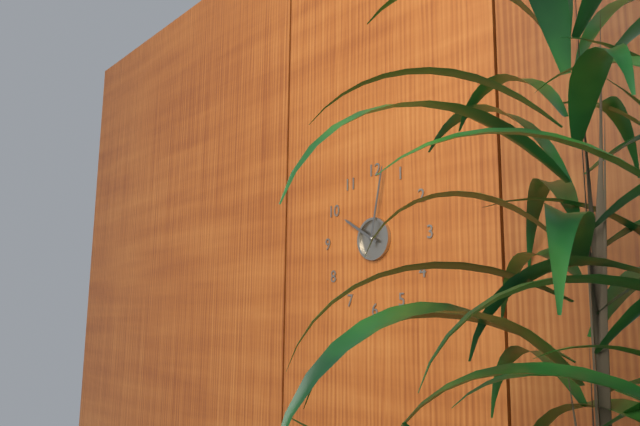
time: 10:02
